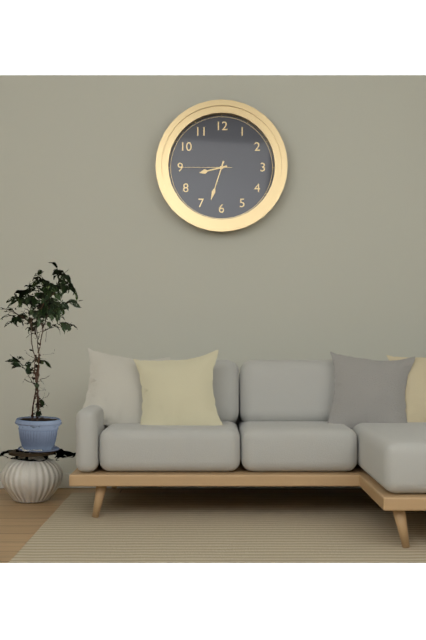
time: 8:33:45
